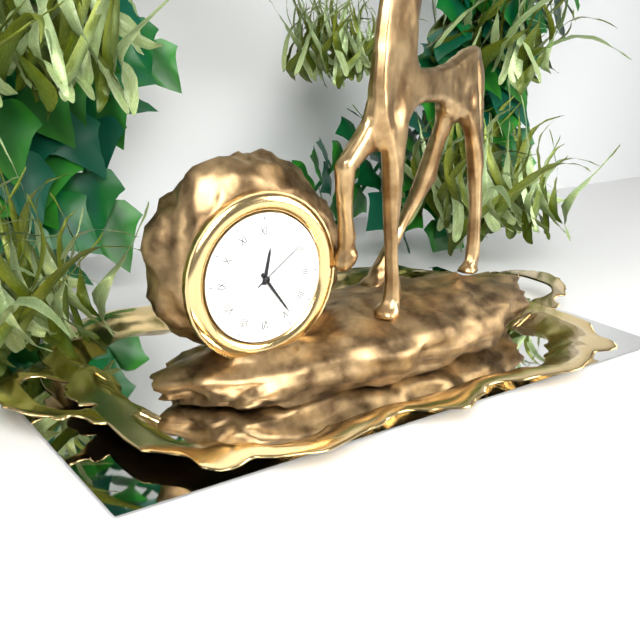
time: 12:24:09
